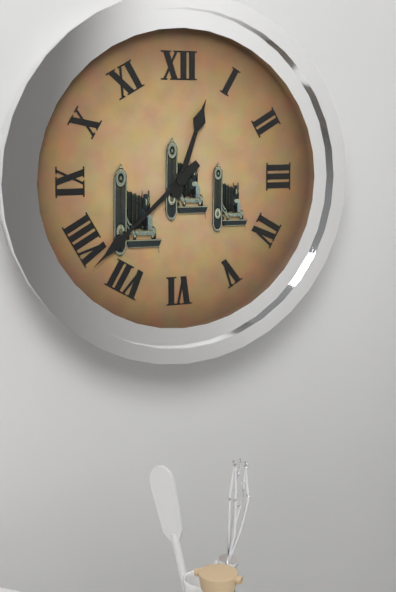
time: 12:38
